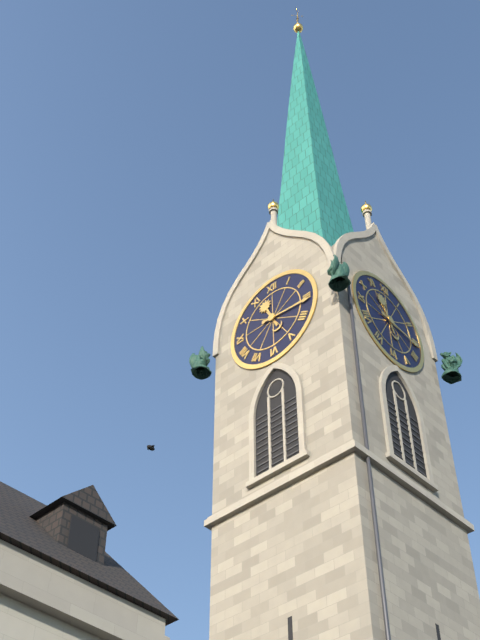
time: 11:16
